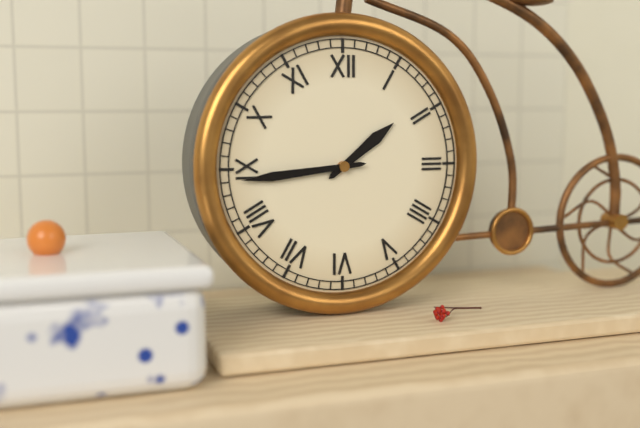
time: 1:44
